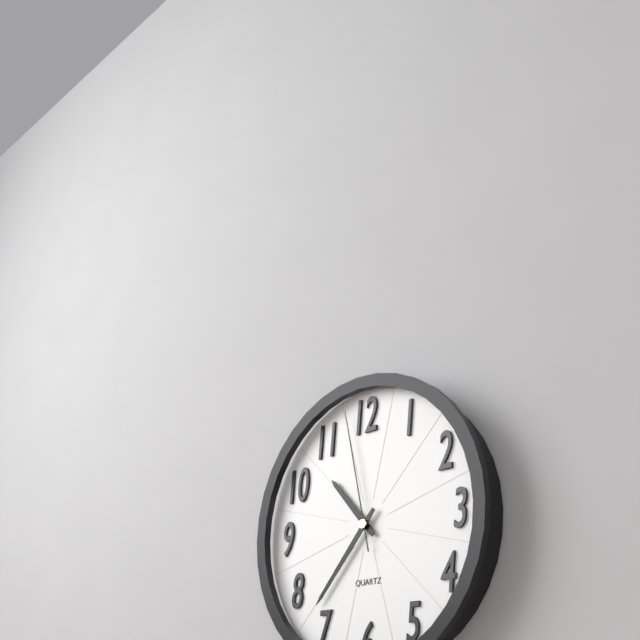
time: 10:37:58
